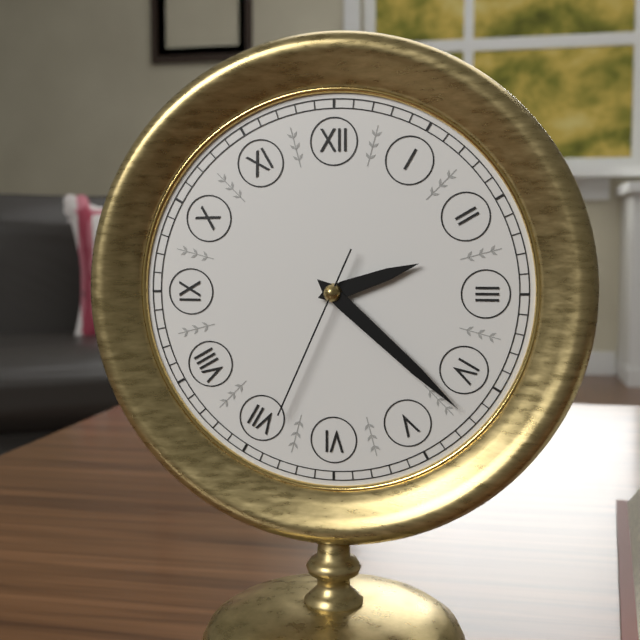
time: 2:22:34
